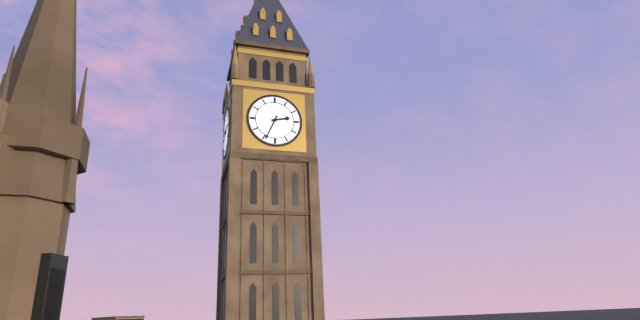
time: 2:34
